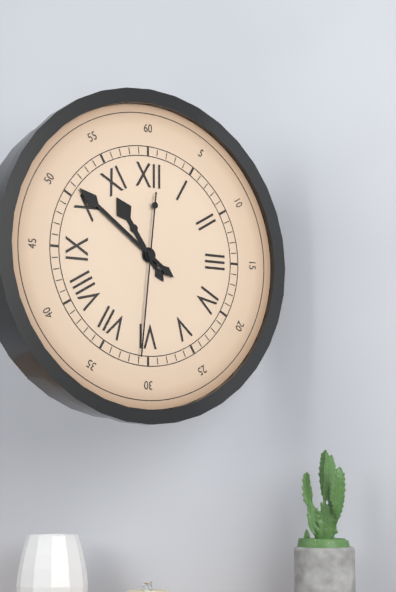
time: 10:51:31
